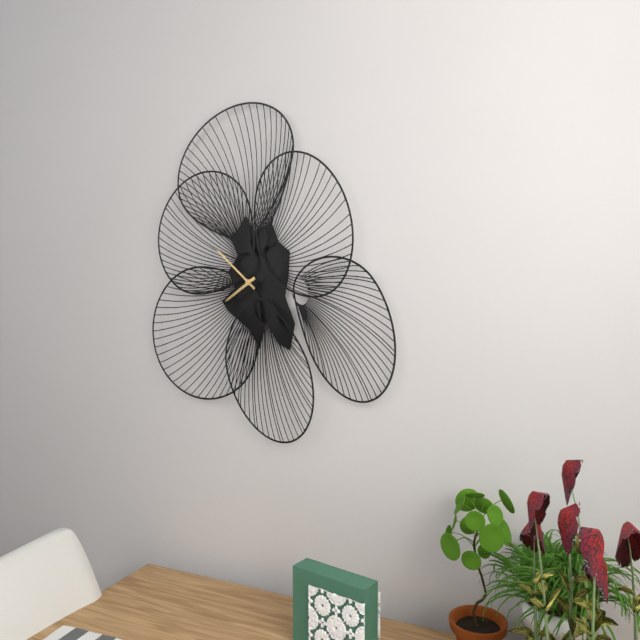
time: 7:52
